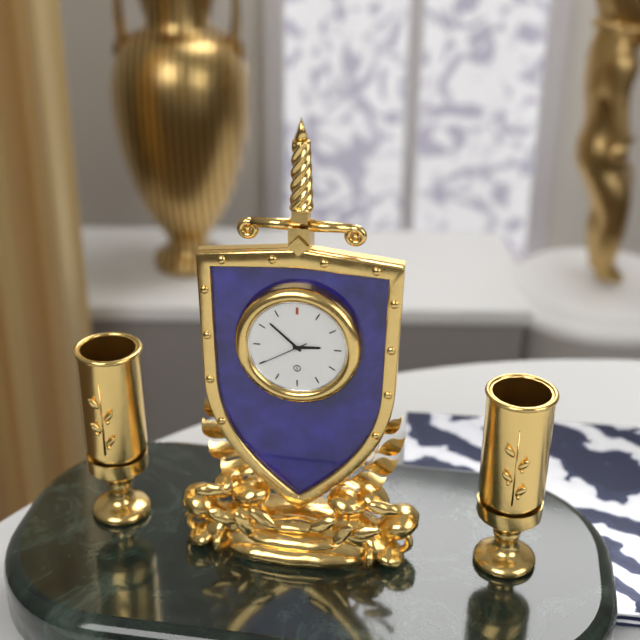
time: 2:52
